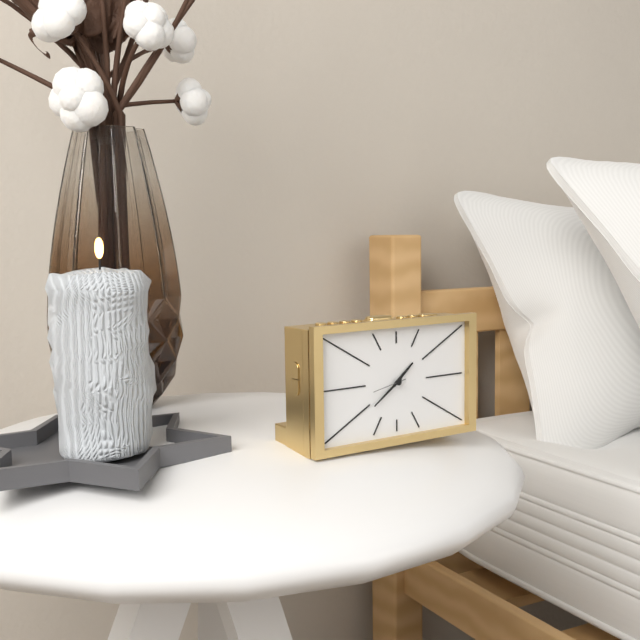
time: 1:39
